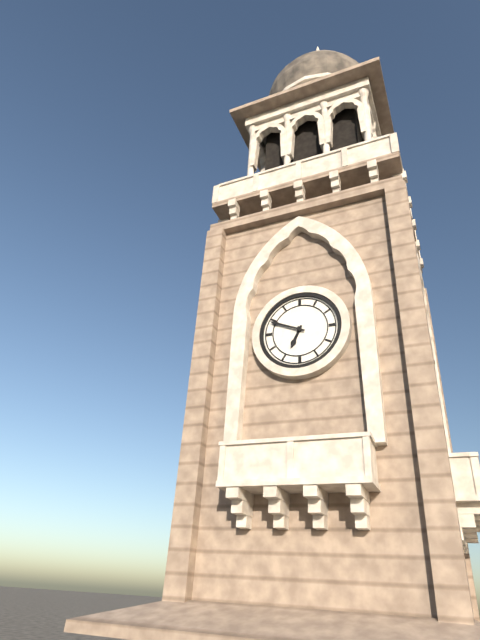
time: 6:49
